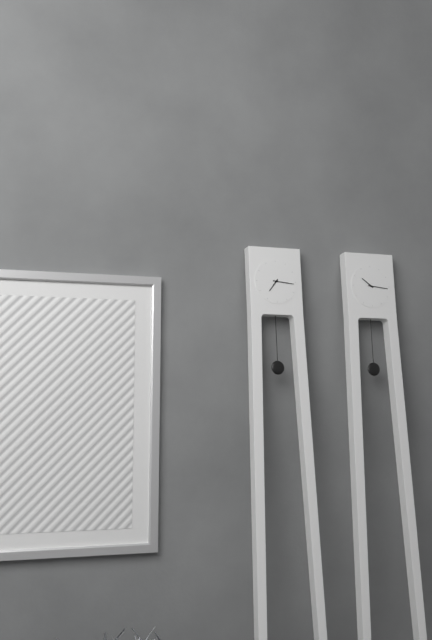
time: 7:16
